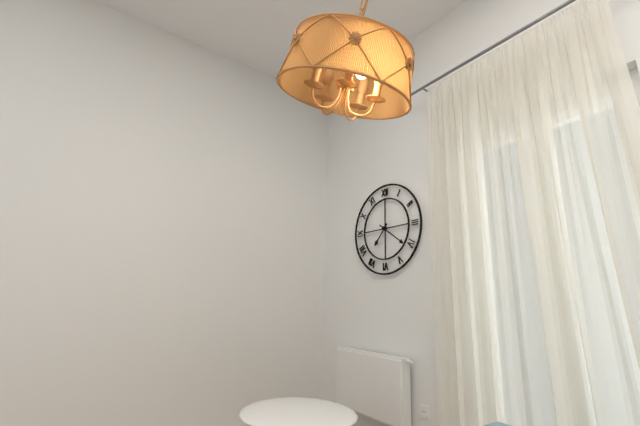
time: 7:21
